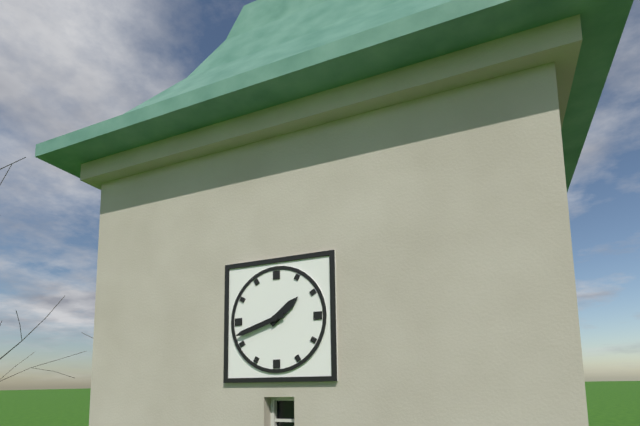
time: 1:42
